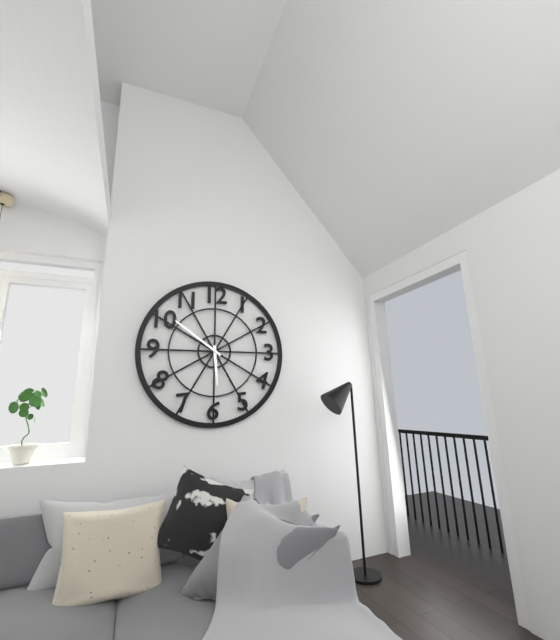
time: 5:51
